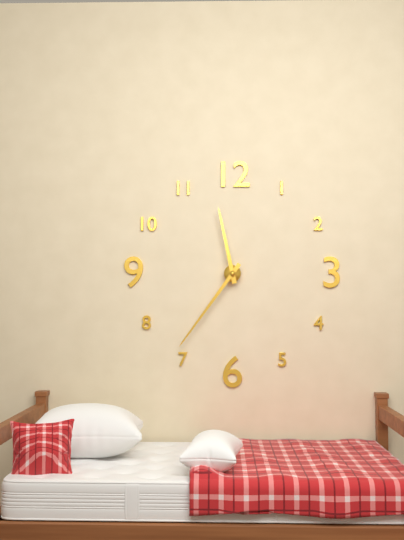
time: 11:36
